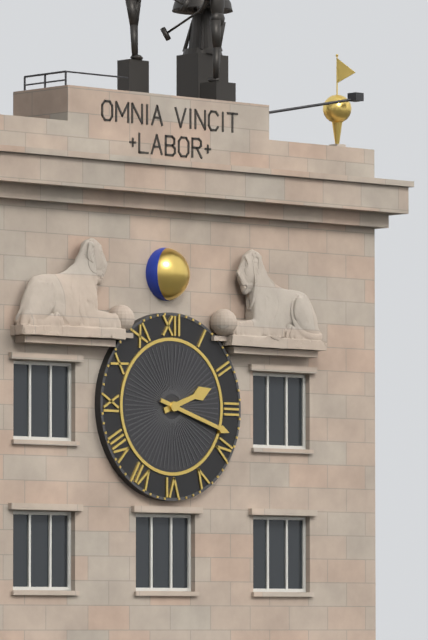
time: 2:18
